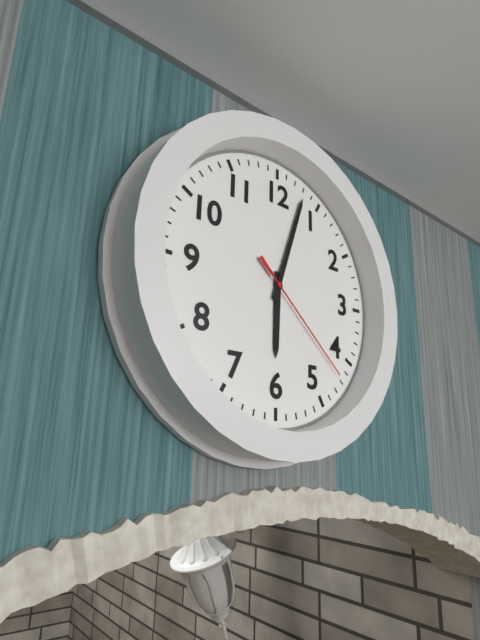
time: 6:03:22
